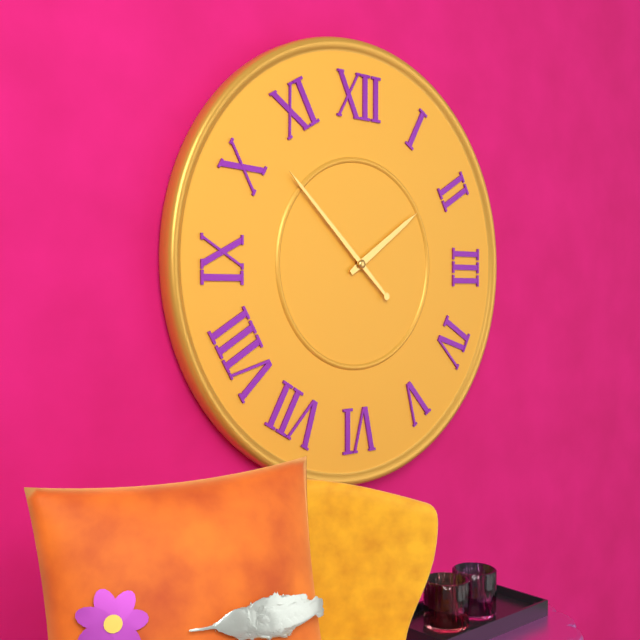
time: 1:52
